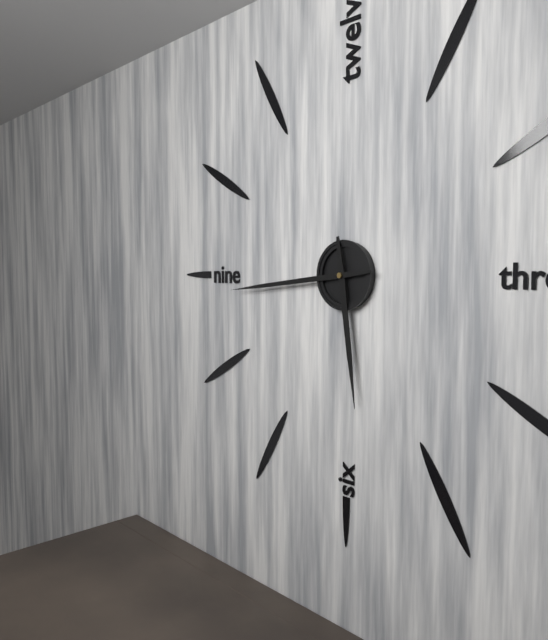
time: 5:44
